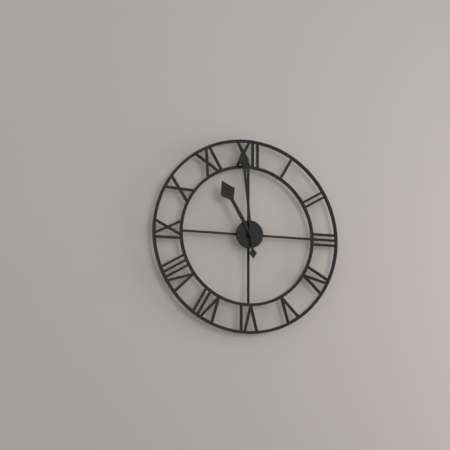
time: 10:59
